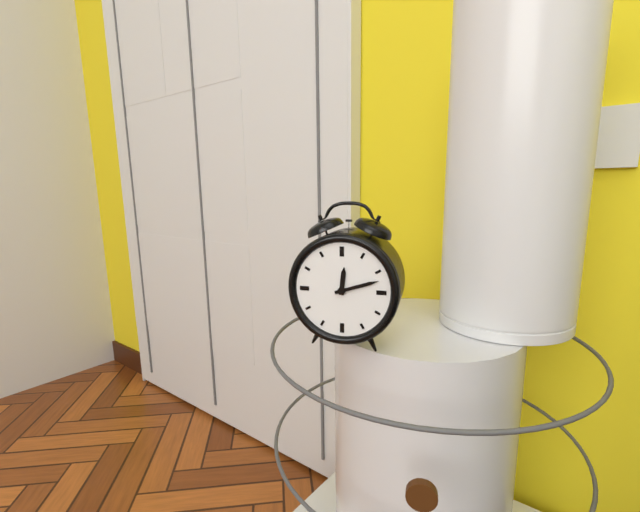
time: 12:12
